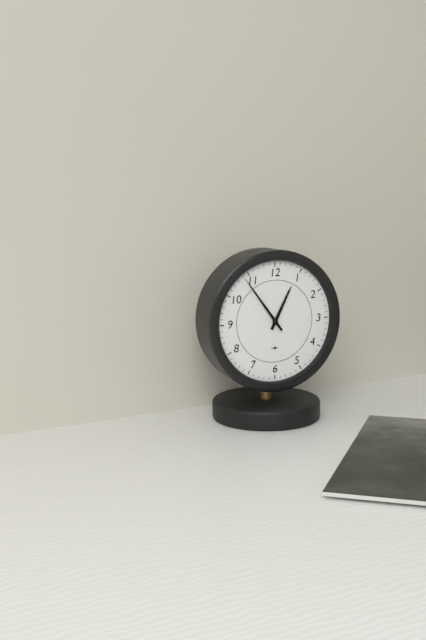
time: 12:54
